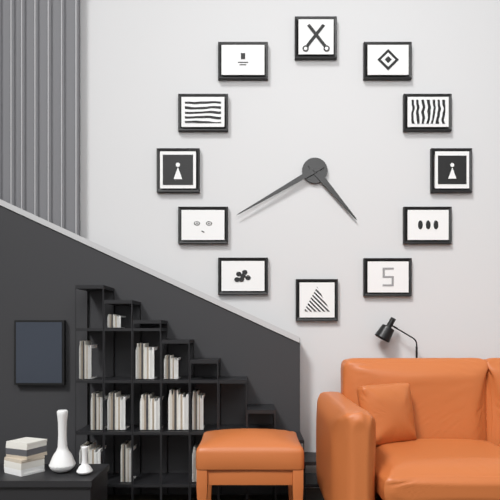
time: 4:40
